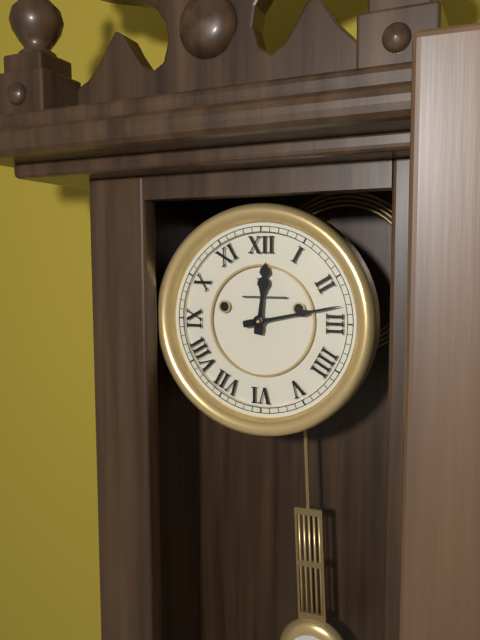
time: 12:13
